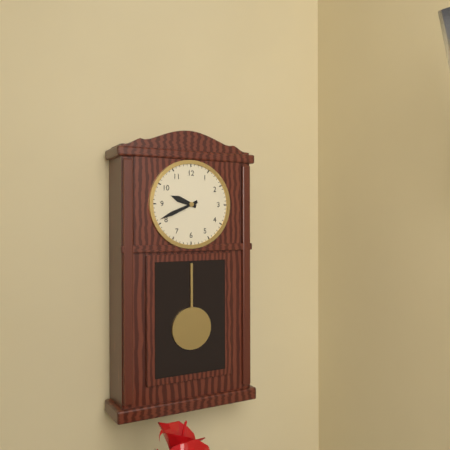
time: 9:41
